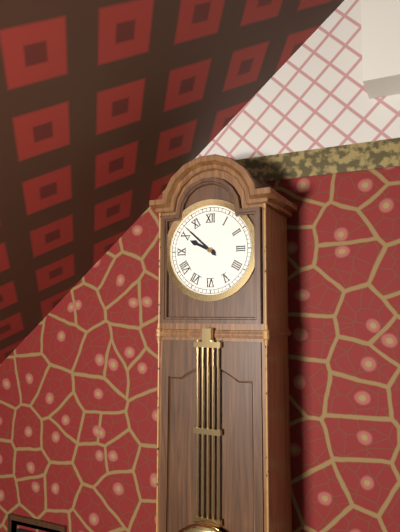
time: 9:52
